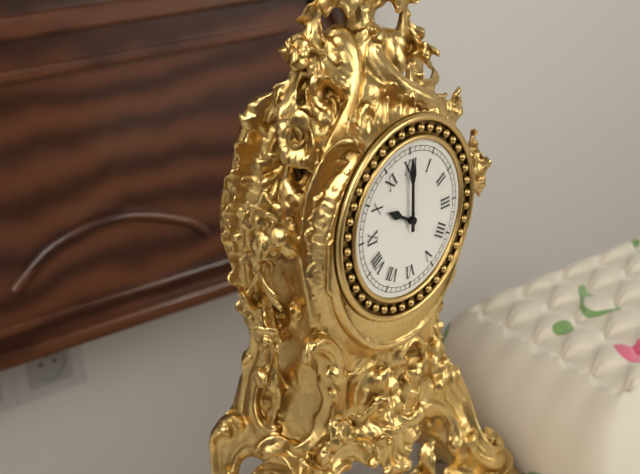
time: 10:00
